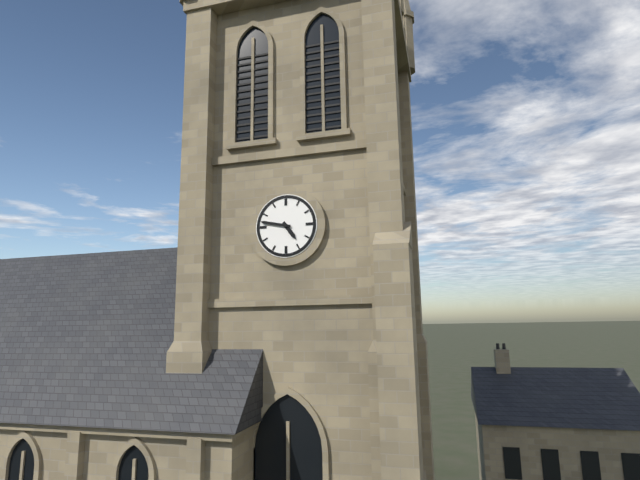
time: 4:47
